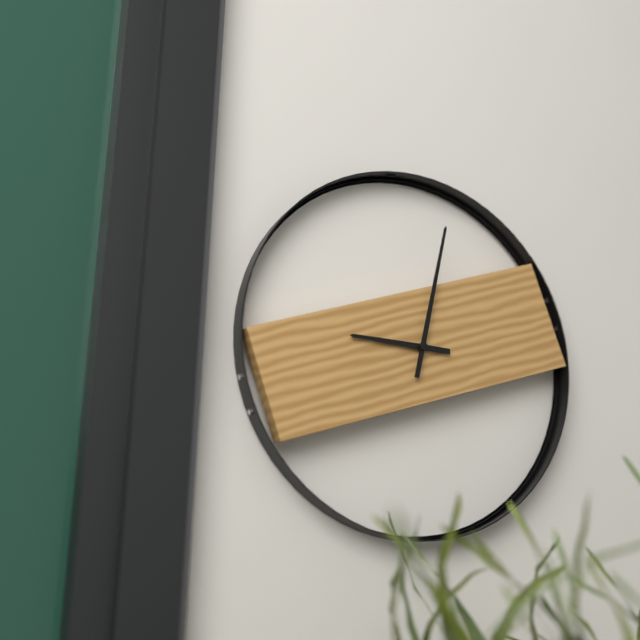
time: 9:02
